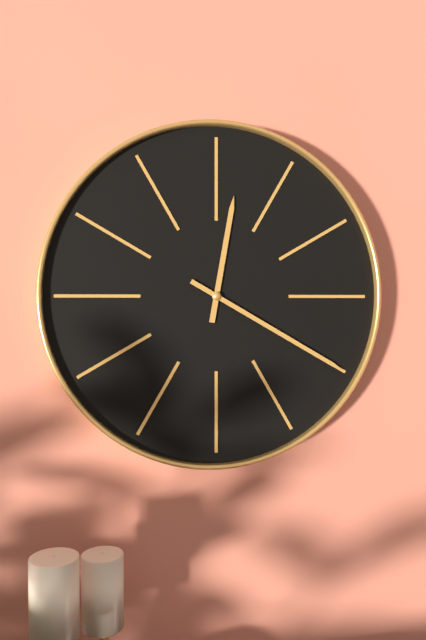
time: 12:20
